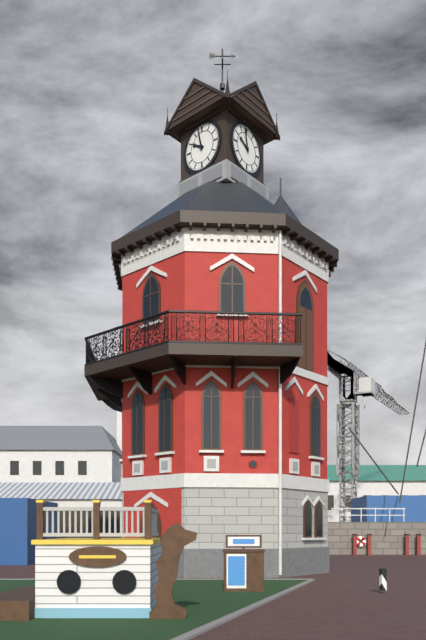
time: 9:58
